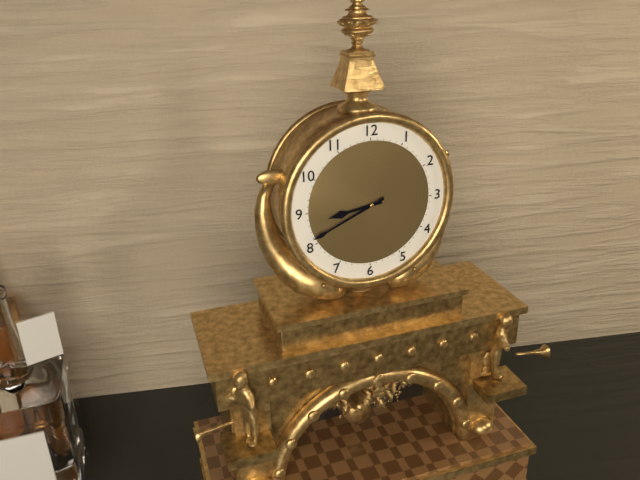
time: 8:41
